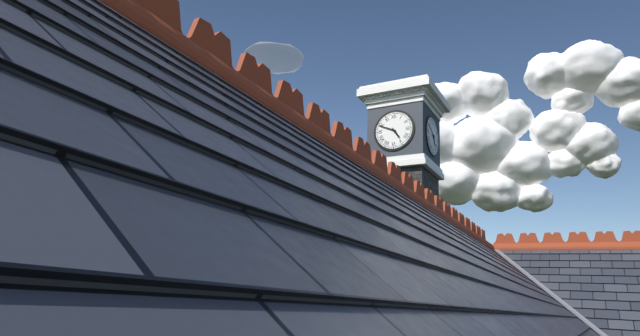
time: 4:49
